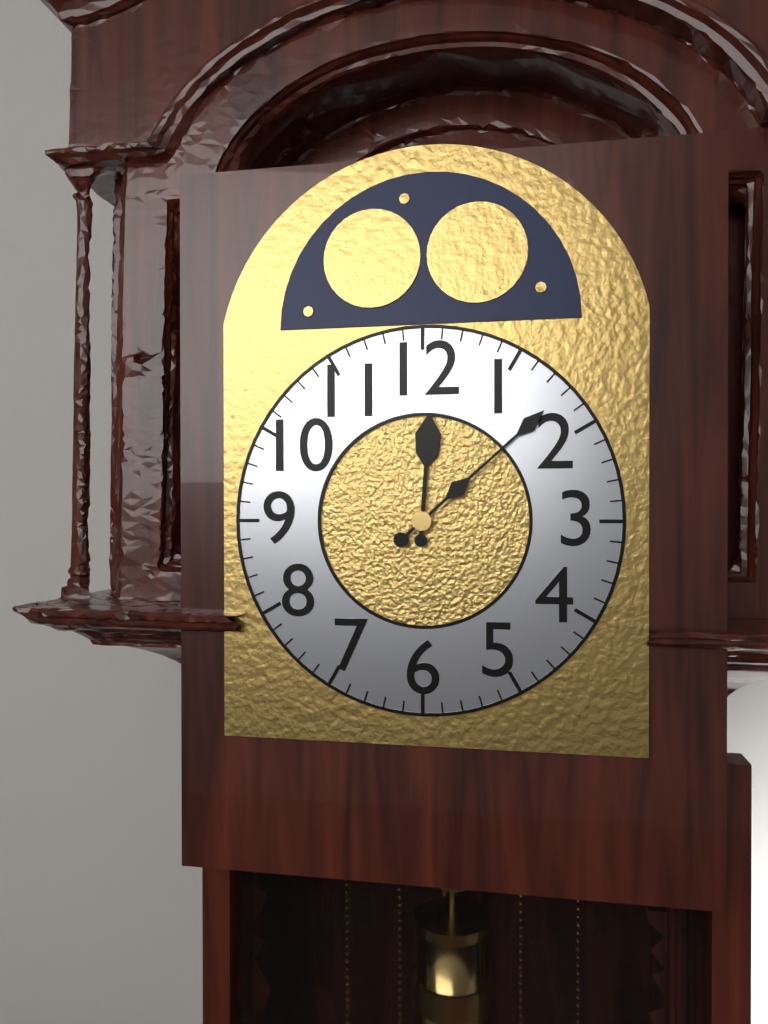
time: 12:08
